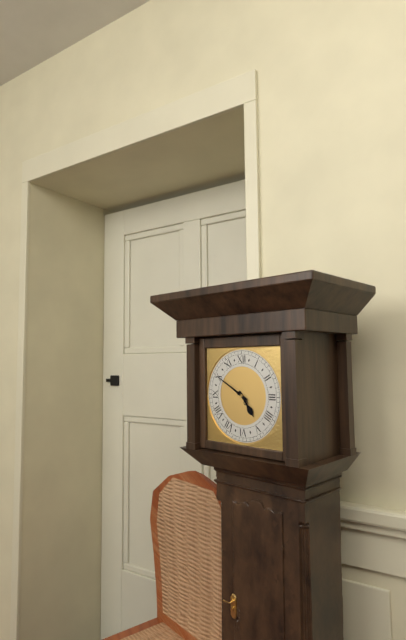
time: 4:50
